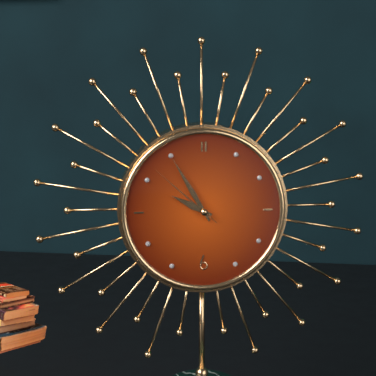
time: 9:55:52
